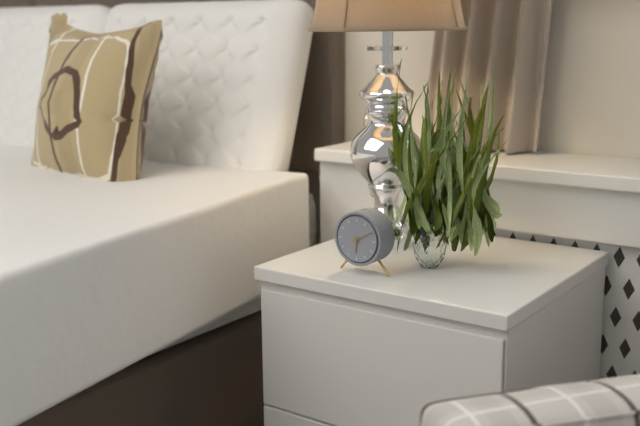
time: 6:10
